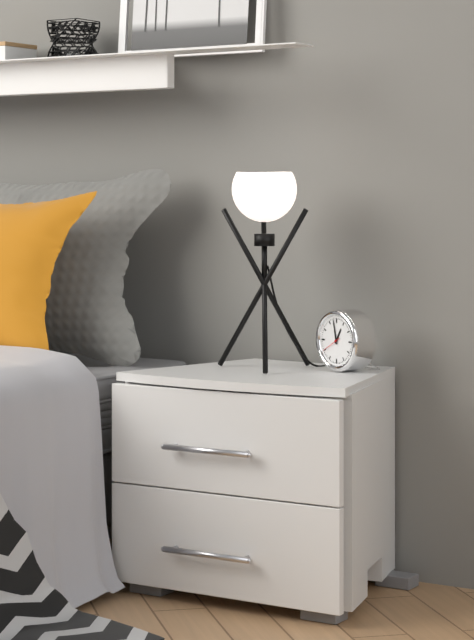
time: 12:58
